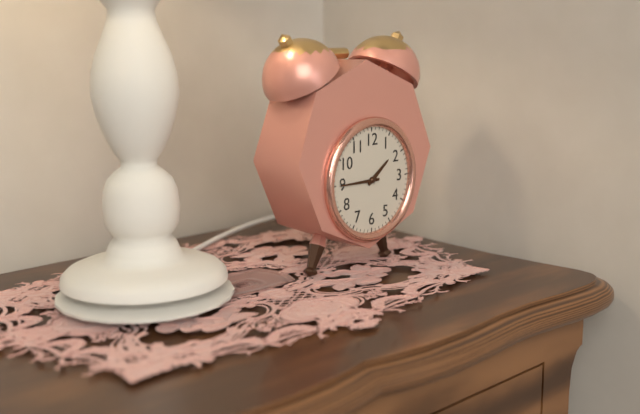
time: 1:45
